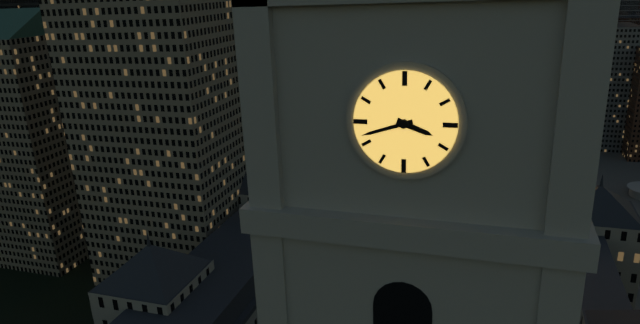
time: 3:42
